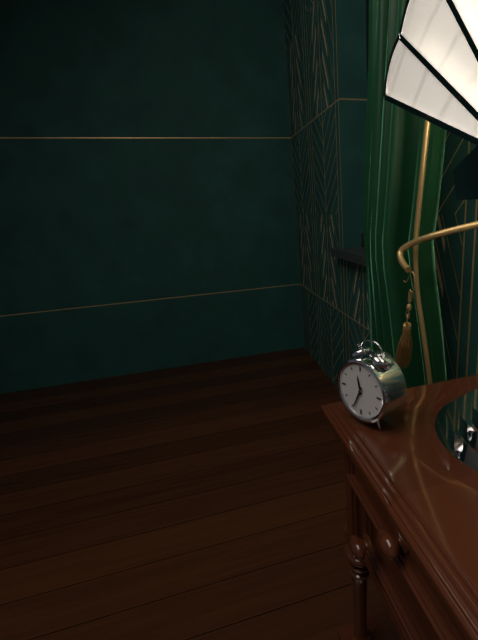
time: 11:34
